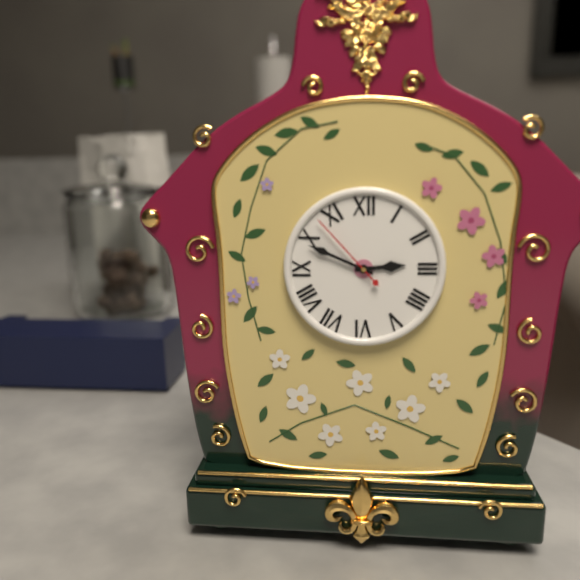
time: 2:49:53
